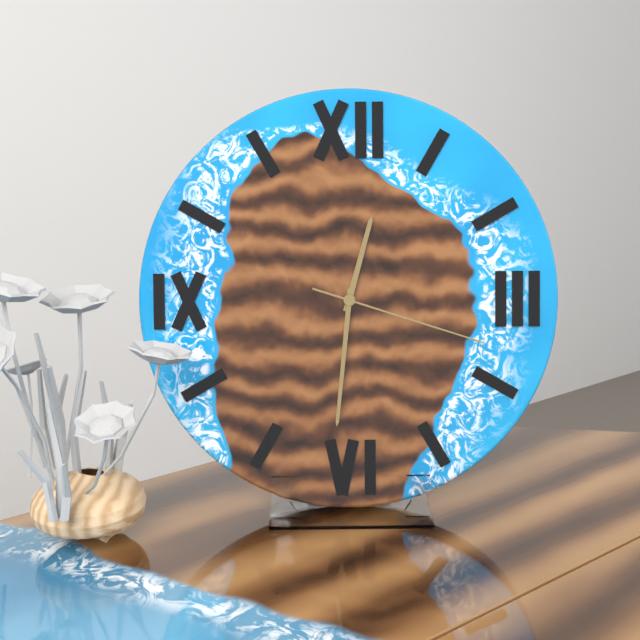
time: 12:31:18
